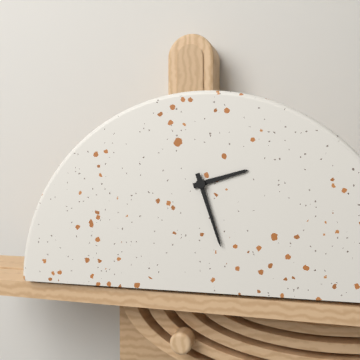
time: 2:27
